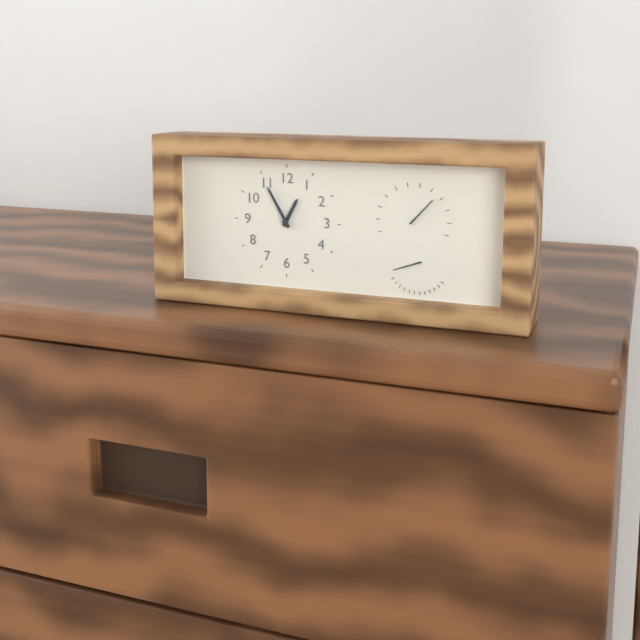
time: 12:55
